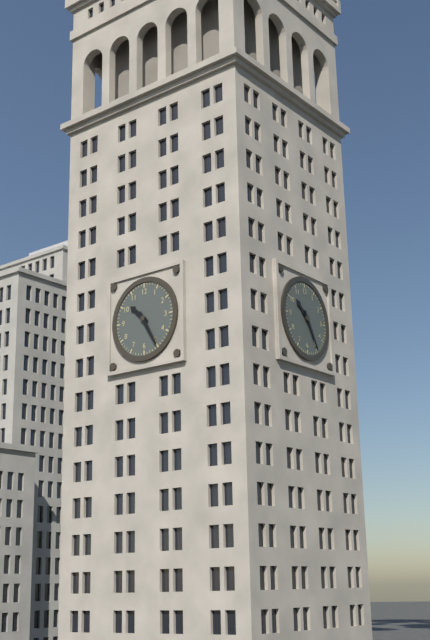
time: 10:25
